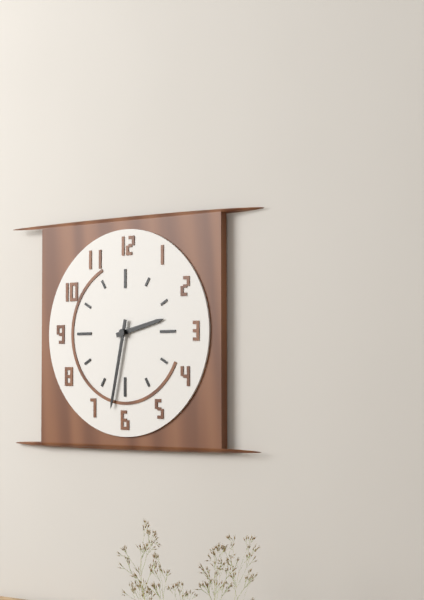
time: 2:32
